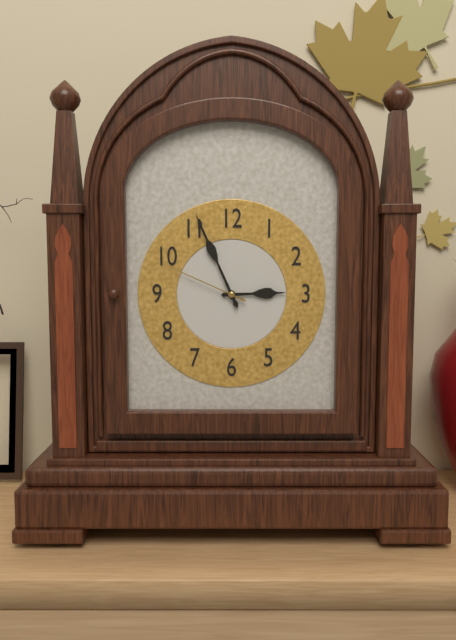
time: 2:56:49
